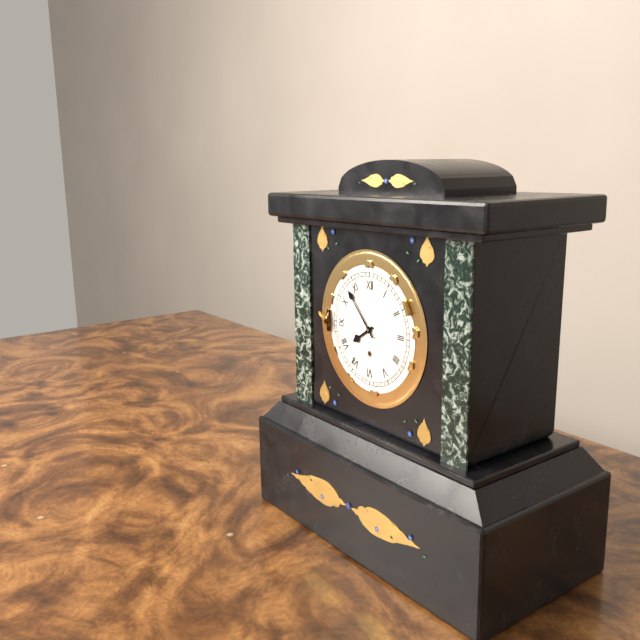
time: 7:53
